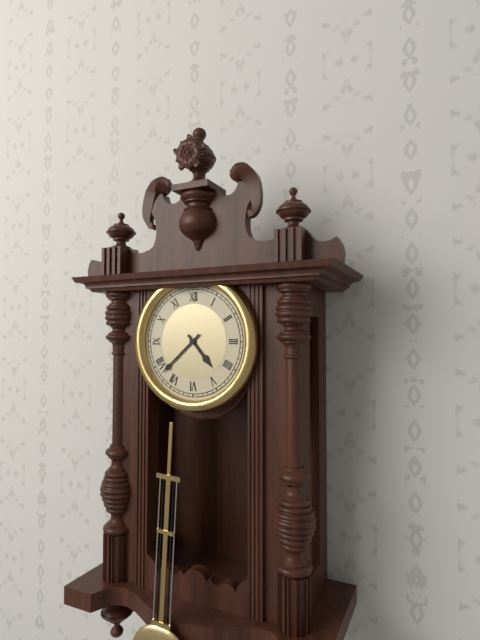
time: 4:38
